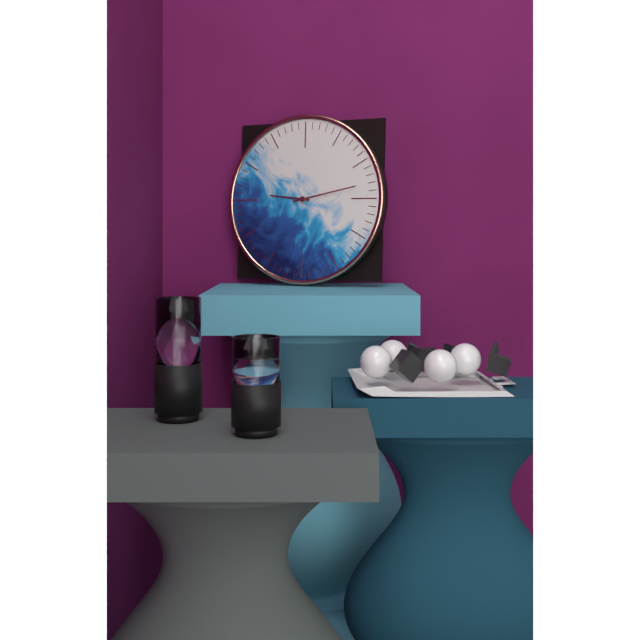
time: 9:13
